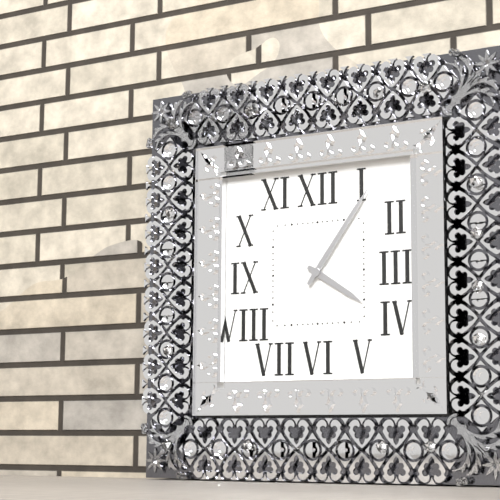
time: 4:06
